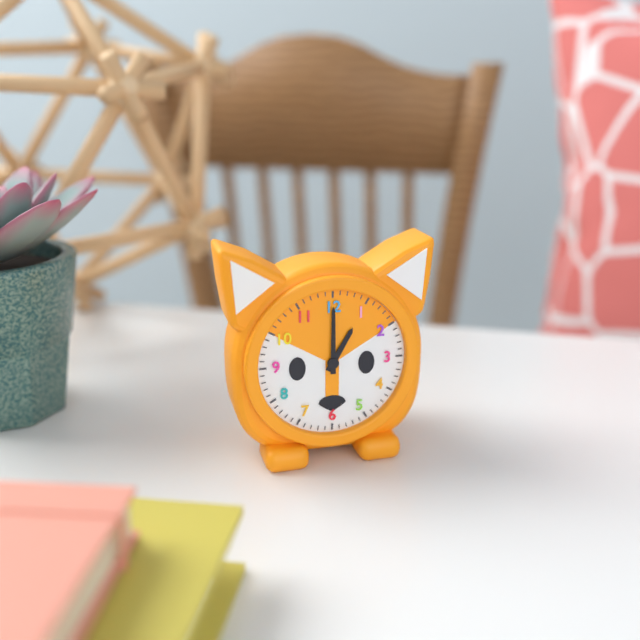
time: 1:00
